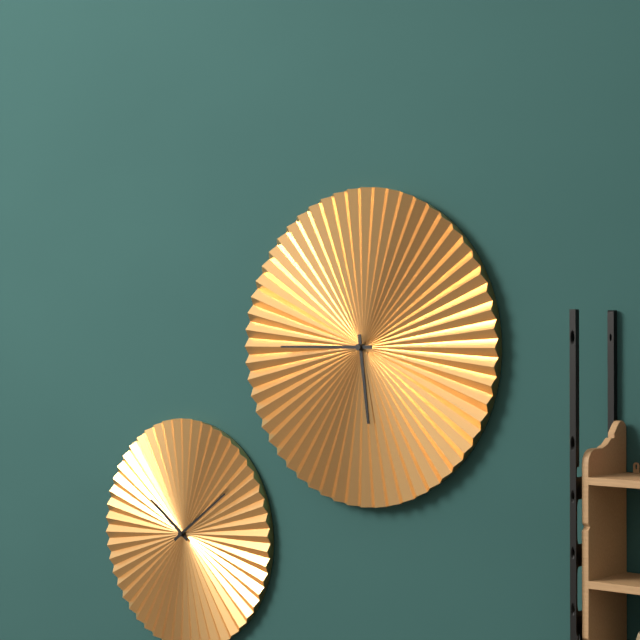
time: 5:45
